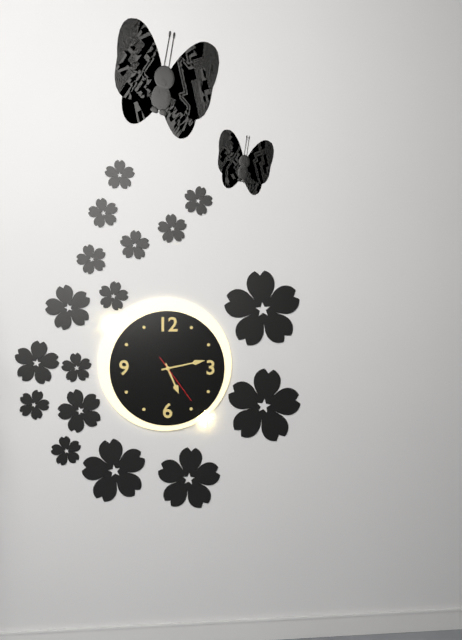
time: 5:13:24
